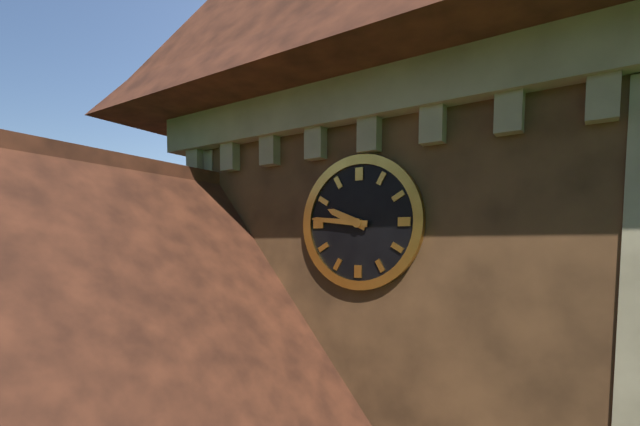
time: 9:46
